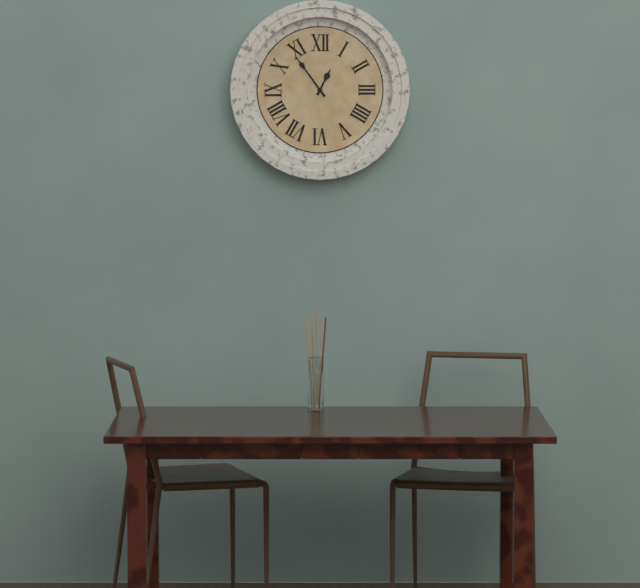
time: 12:54
